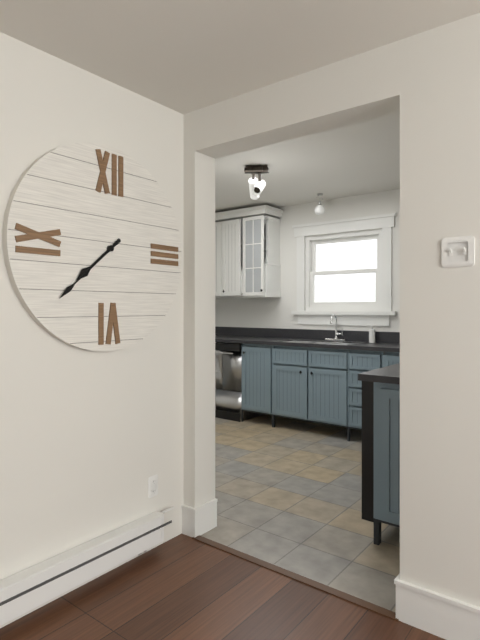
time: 7:38
